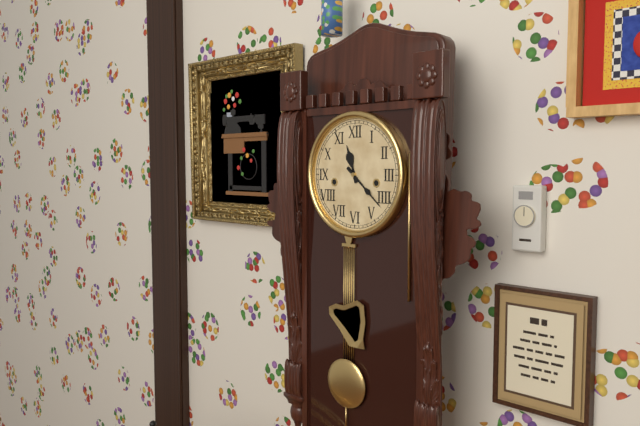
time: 11:22
